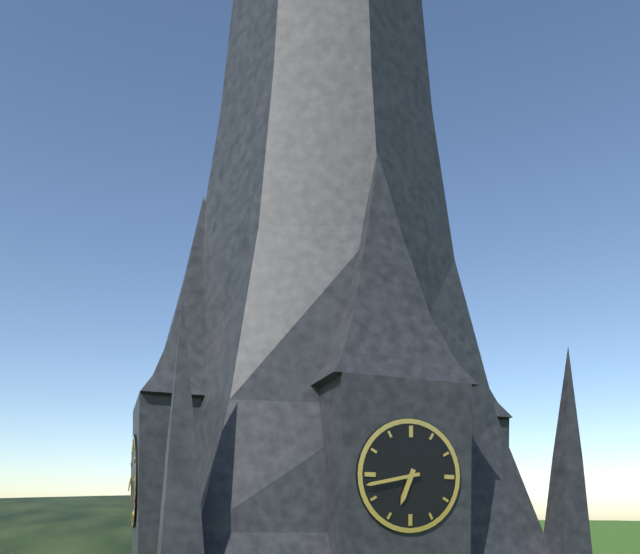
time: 6:43
